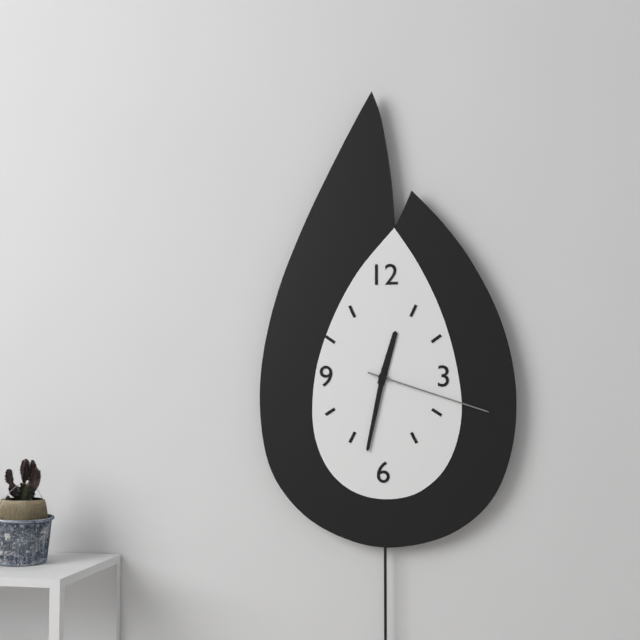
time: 12:32:18
